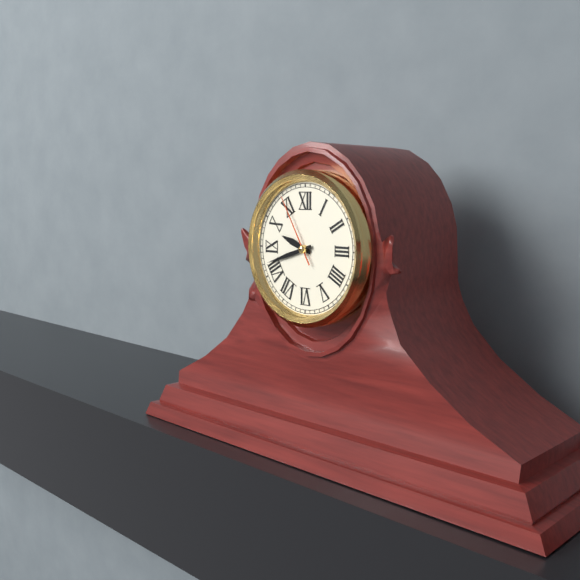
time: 9:42:55
